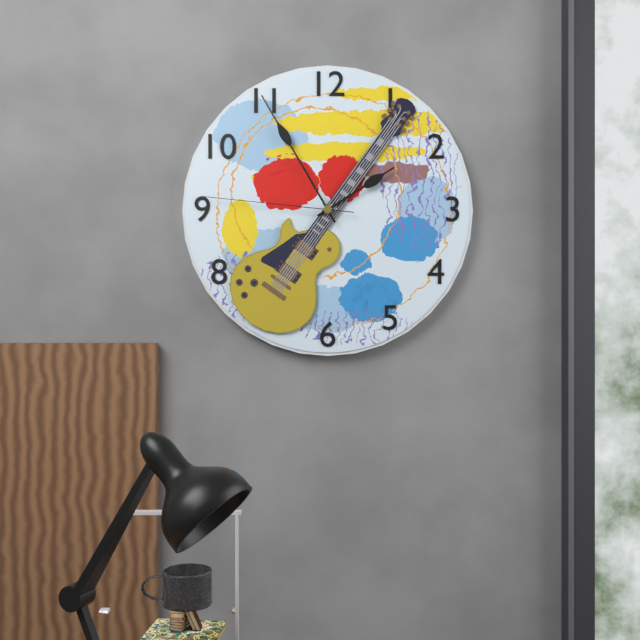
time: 1:55:46
